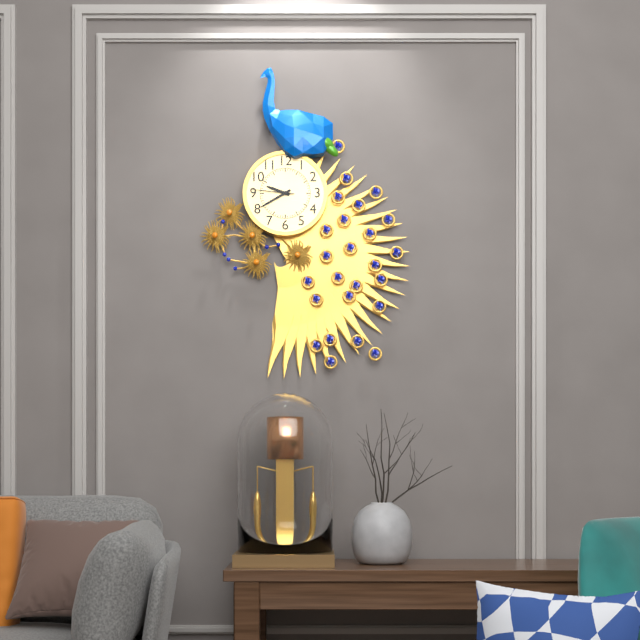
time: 9:40
